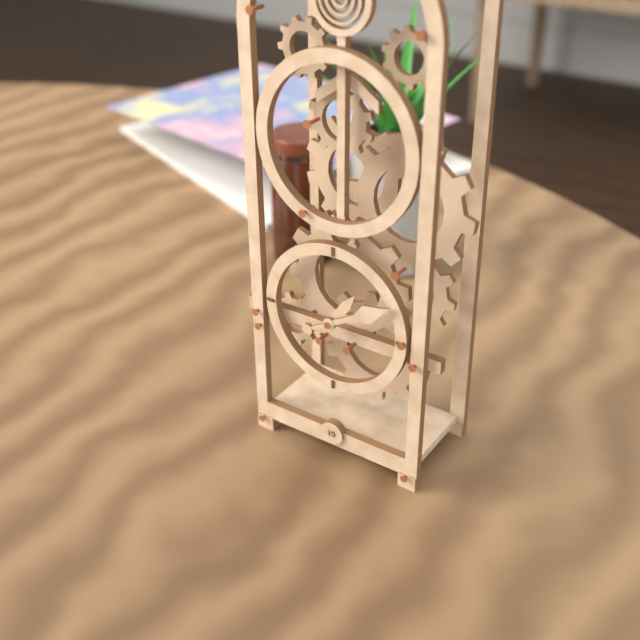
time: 1:10
